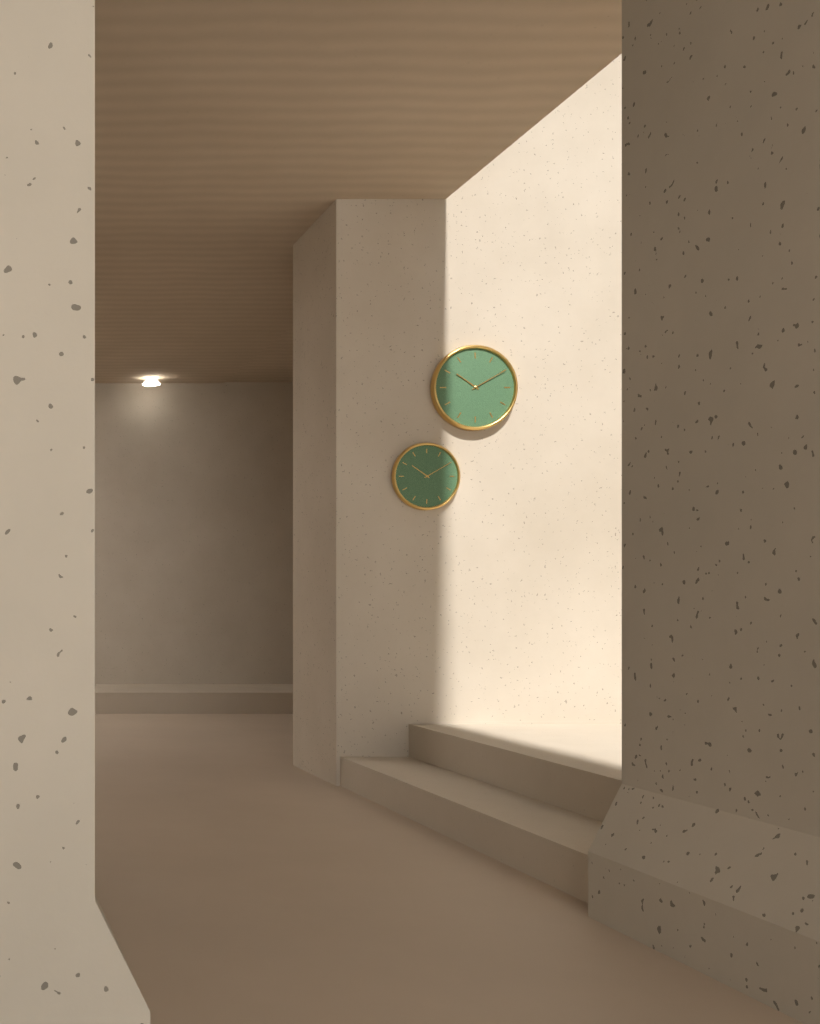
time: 10:10
